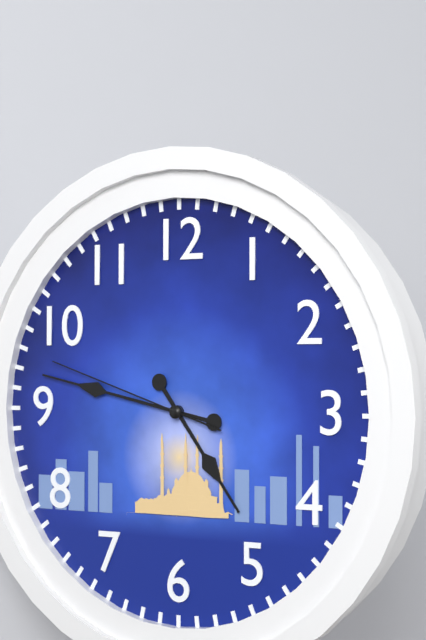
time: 4:47:48
